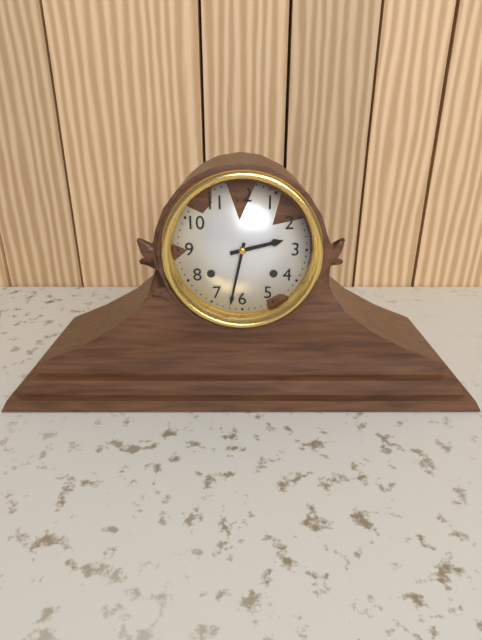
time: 2:32
